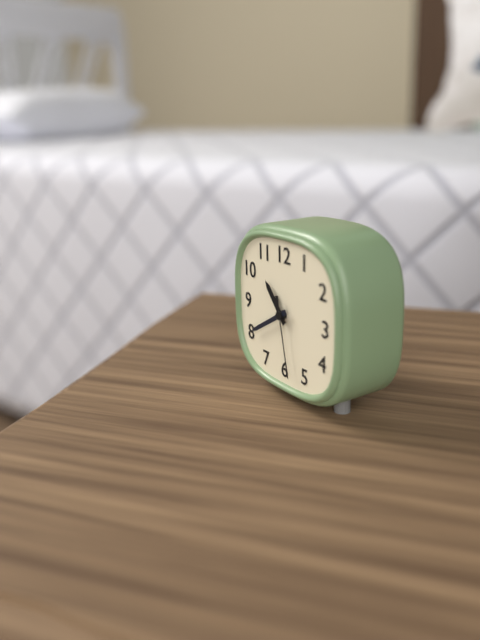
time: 10:40:28
